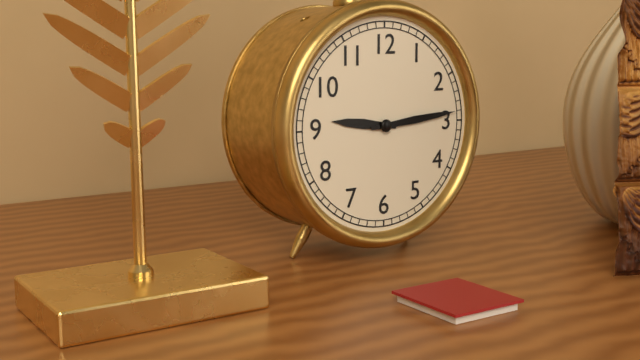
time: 9:14
